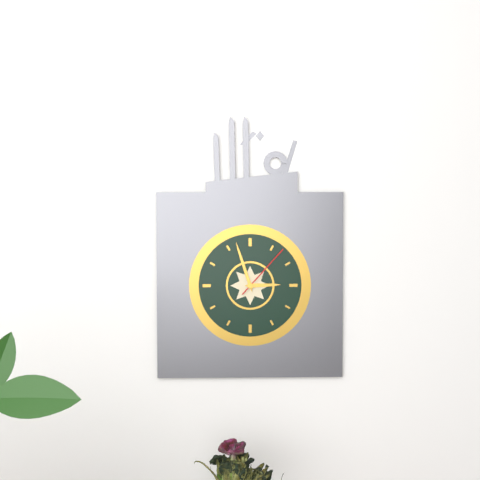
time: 2:57:07
